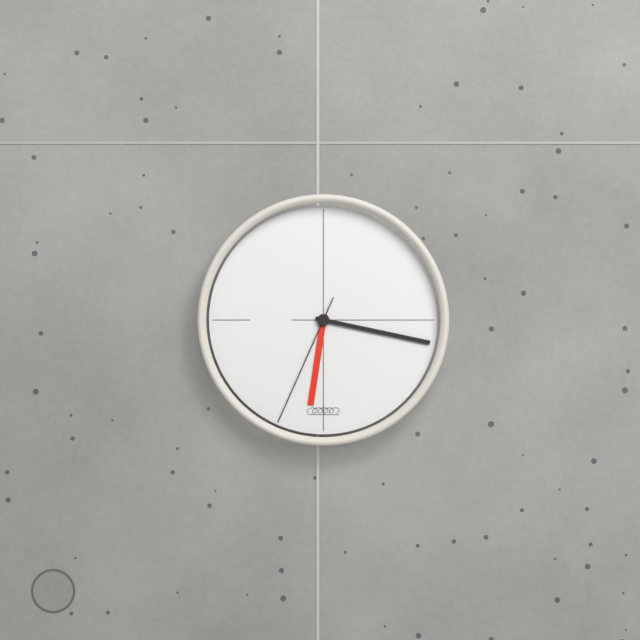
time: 6:17:34
